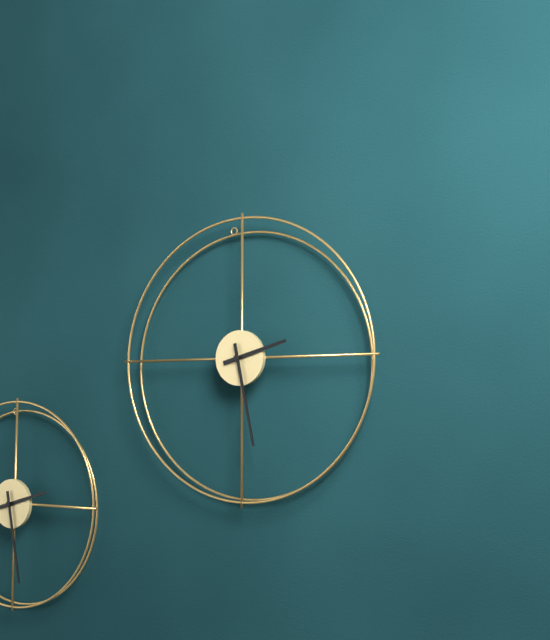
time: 2:28
